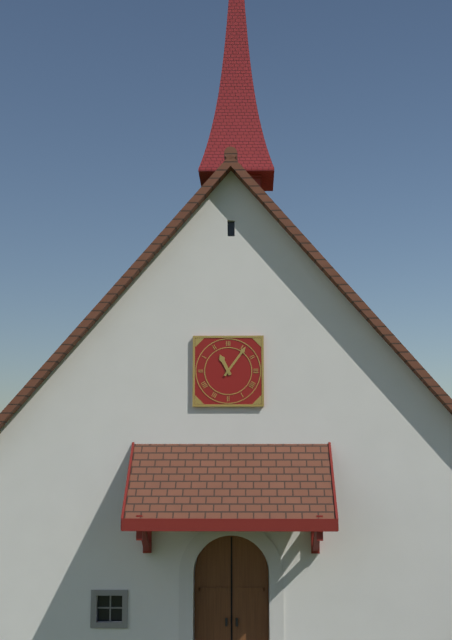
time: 11:06
